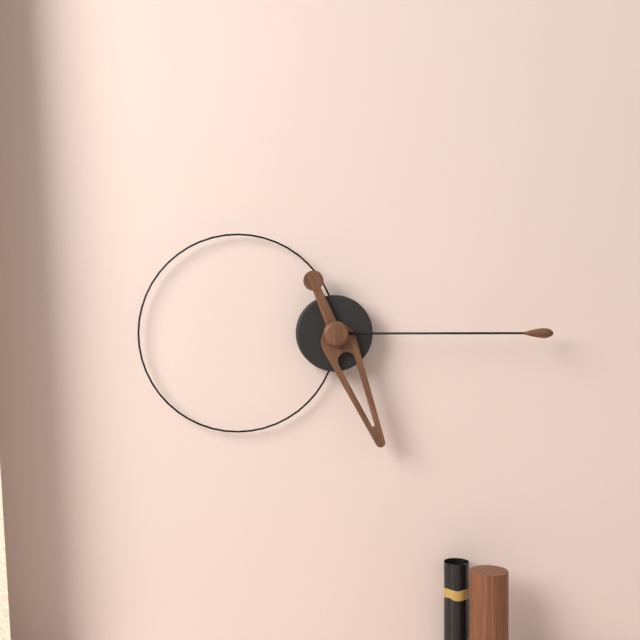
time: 5:15
